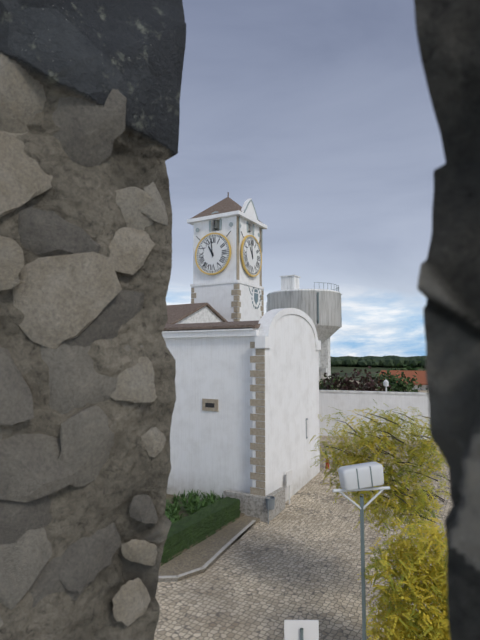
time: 10:59
